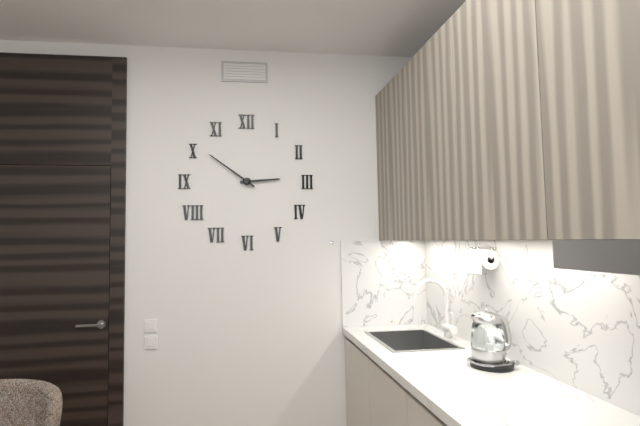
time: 2:51
